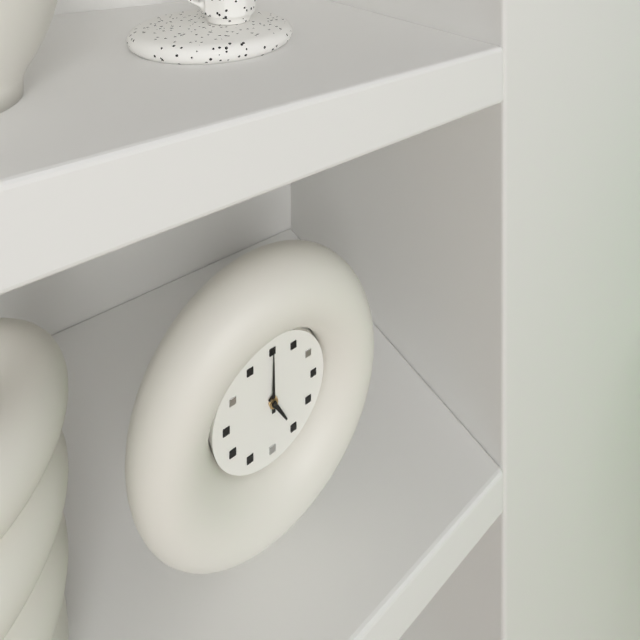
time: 5:00
